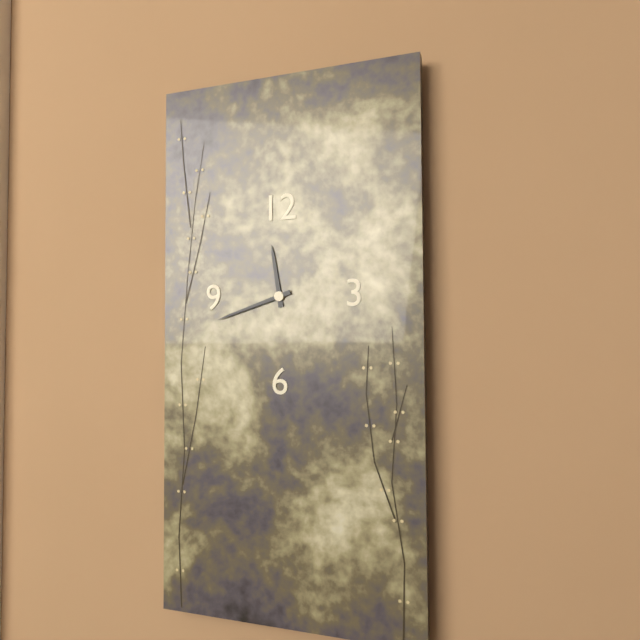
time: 11:42
